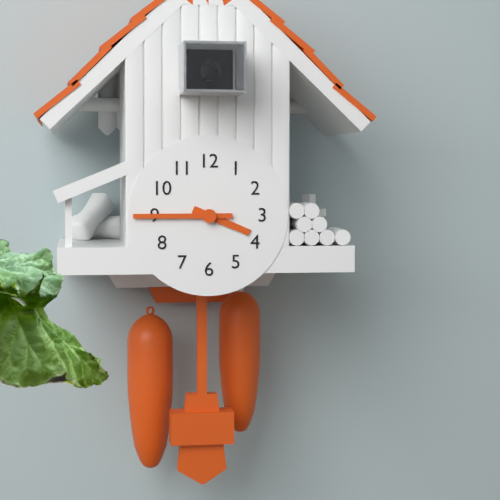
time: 3:45
